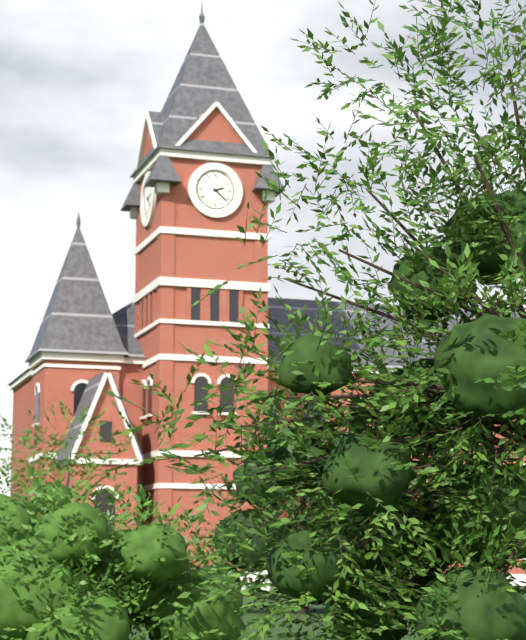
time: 2:22
